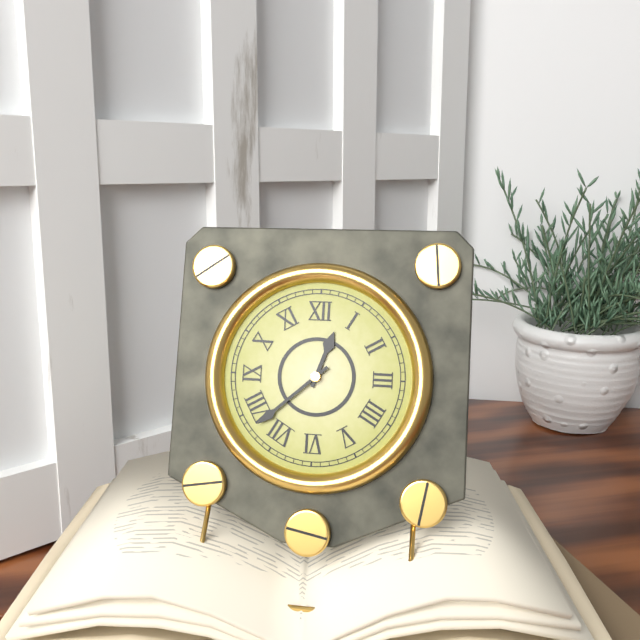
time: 12:38
